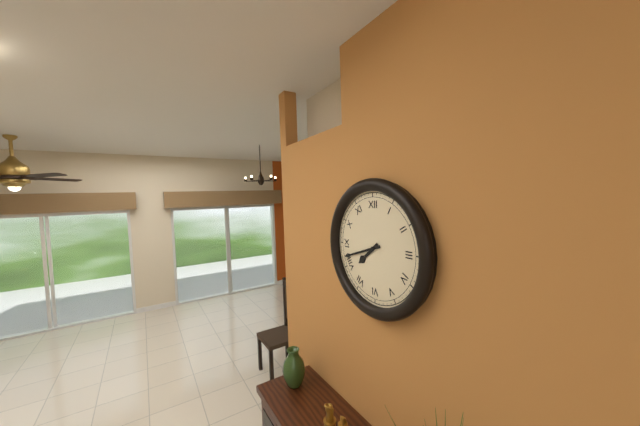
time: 7:42
